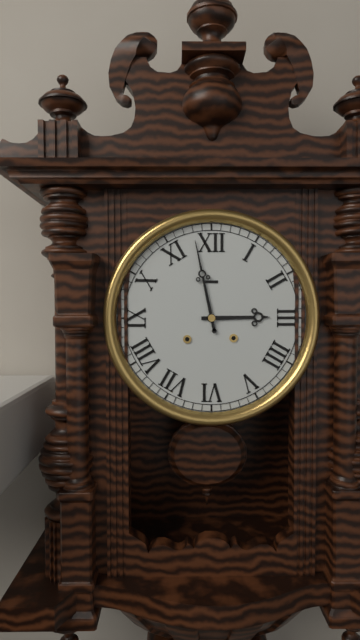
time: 2:58
